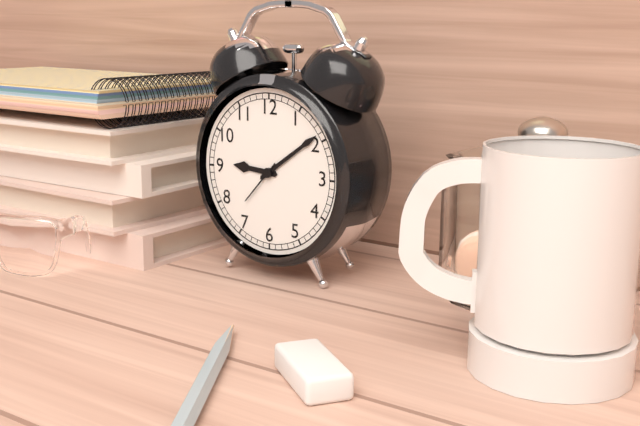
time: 9:09
